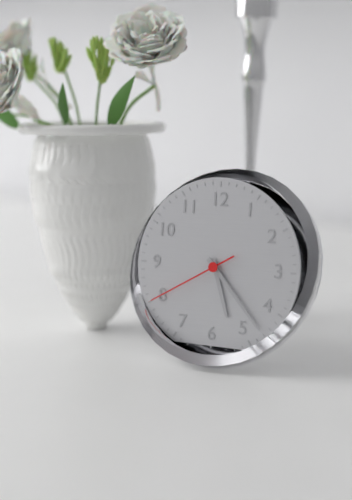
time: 5:23:40
